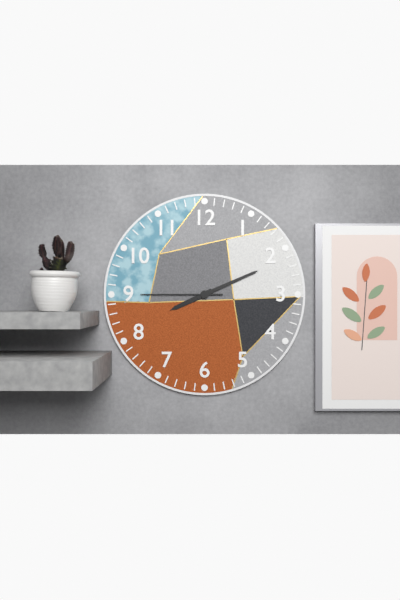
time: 8:11:45
